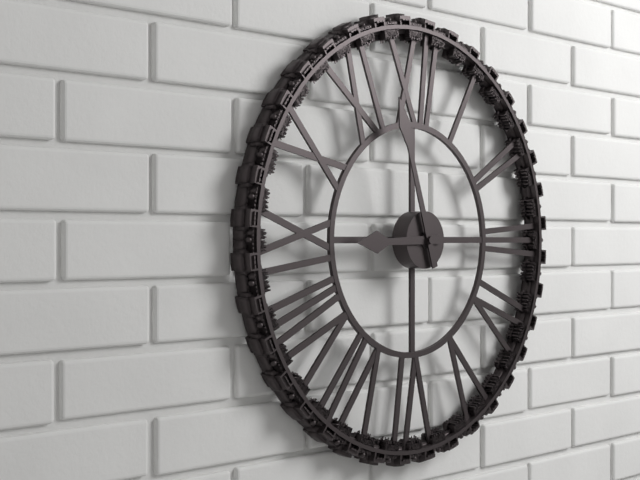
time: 8:57
